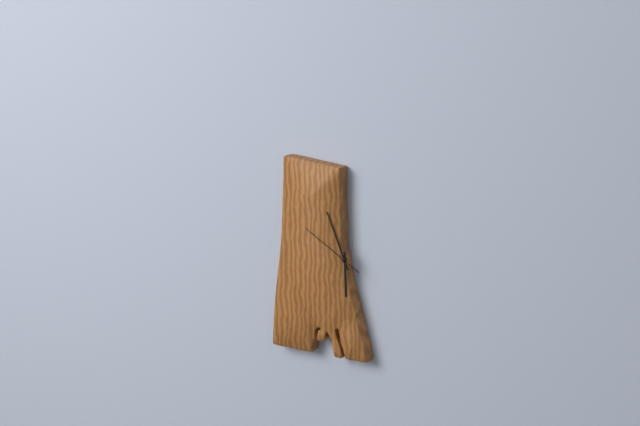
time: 5:56:50
